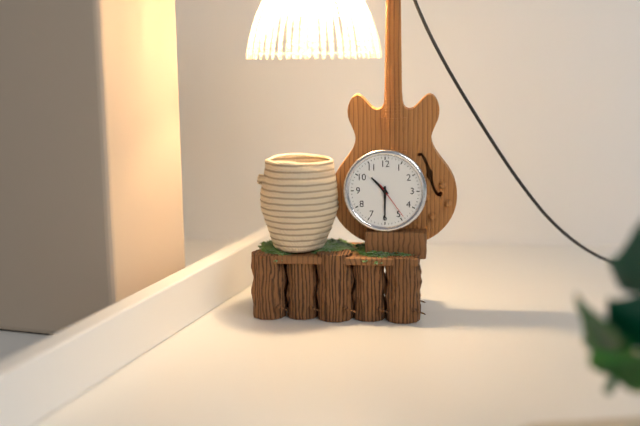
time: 10:30
